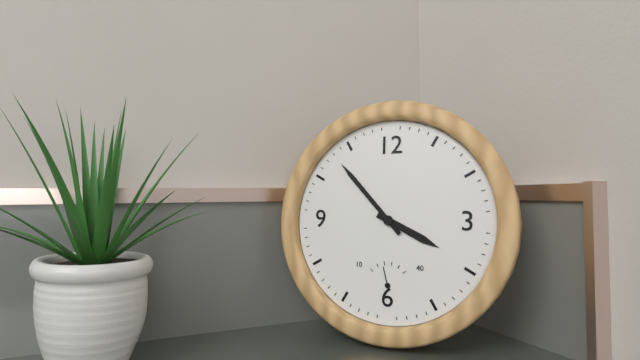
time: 3:53
